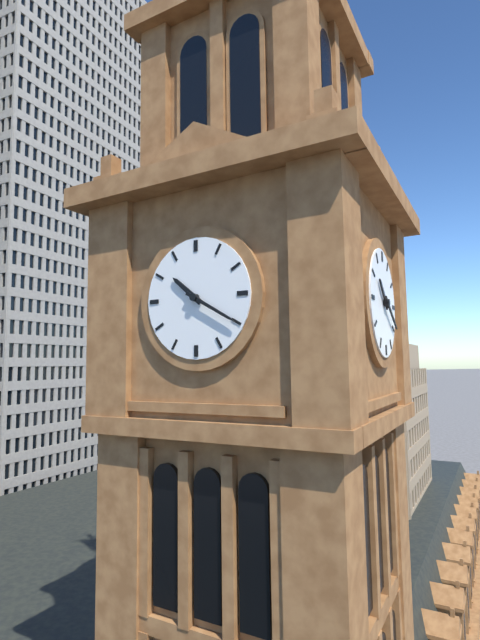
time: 10:20
